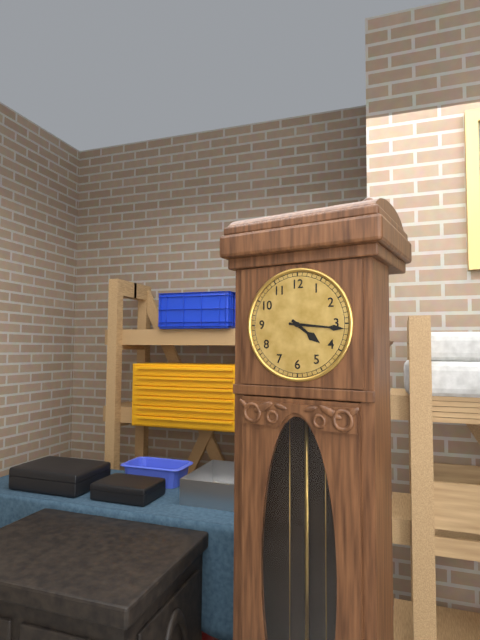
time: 4:16
